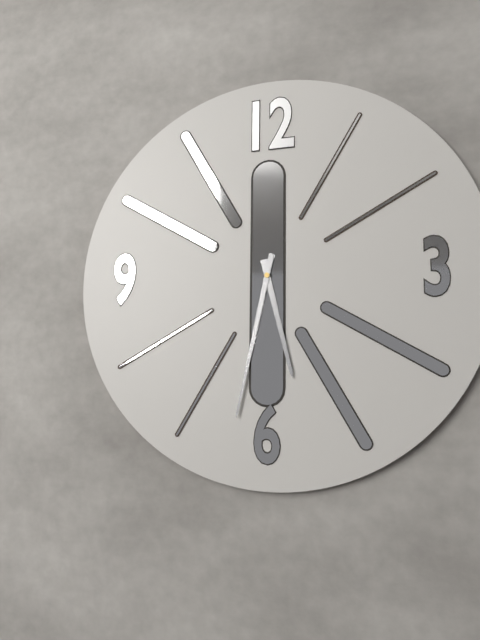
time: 5:32
